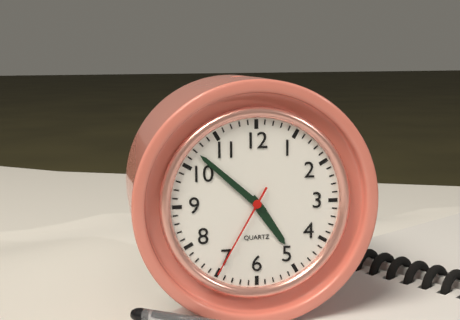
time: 4:52:35
